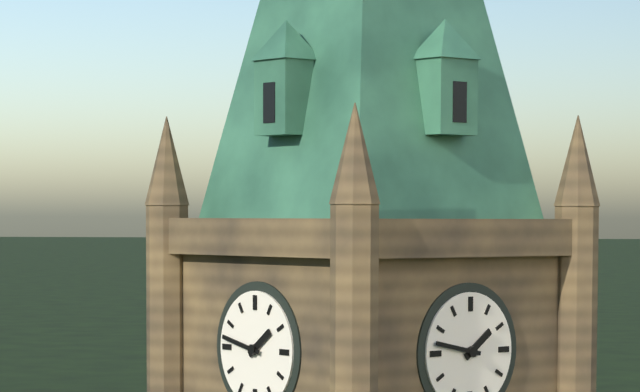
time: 1:47
